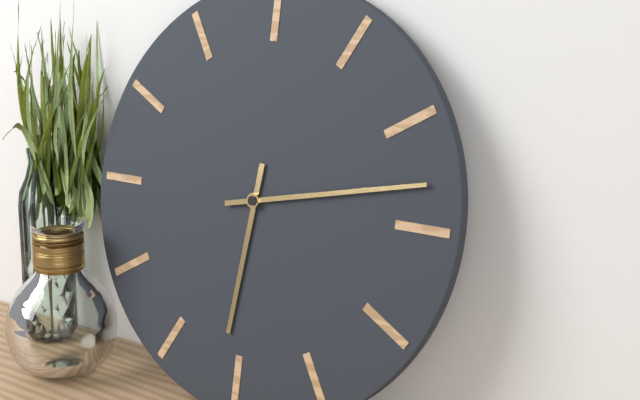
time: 6:13
